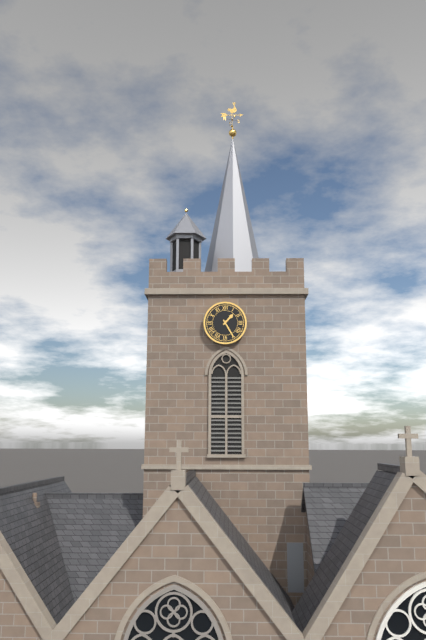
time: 1:25
